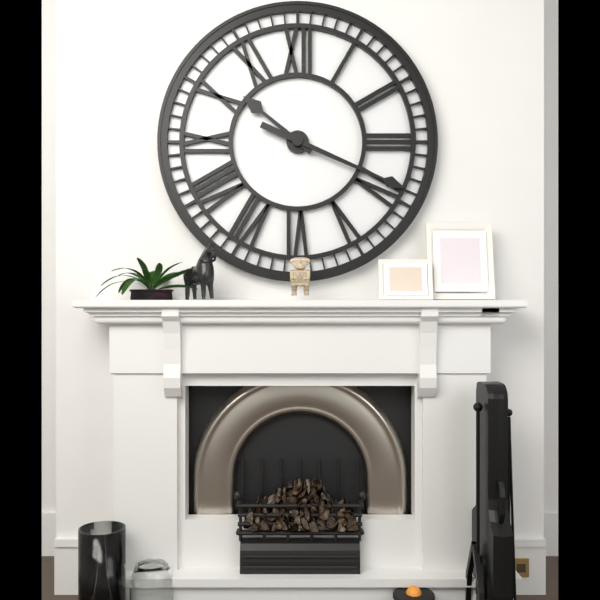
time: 10:19
